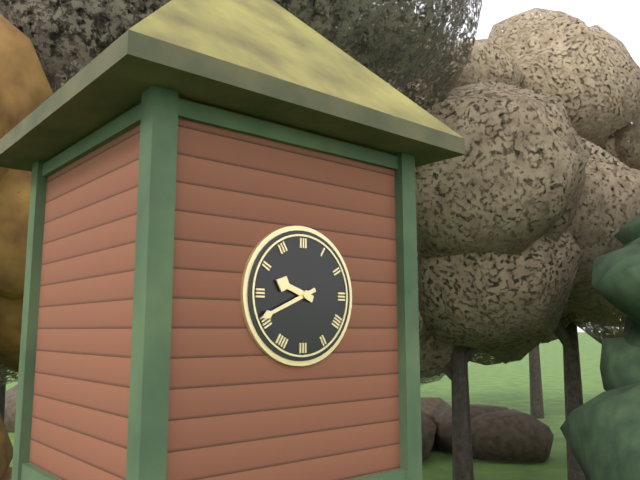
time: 9:41
